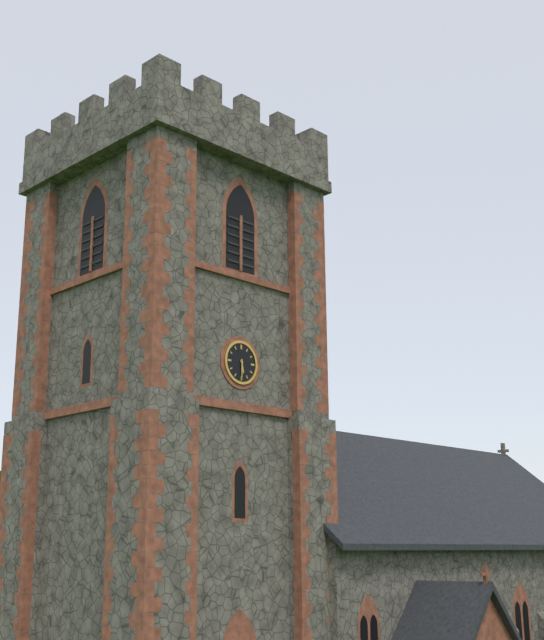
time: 5:30
